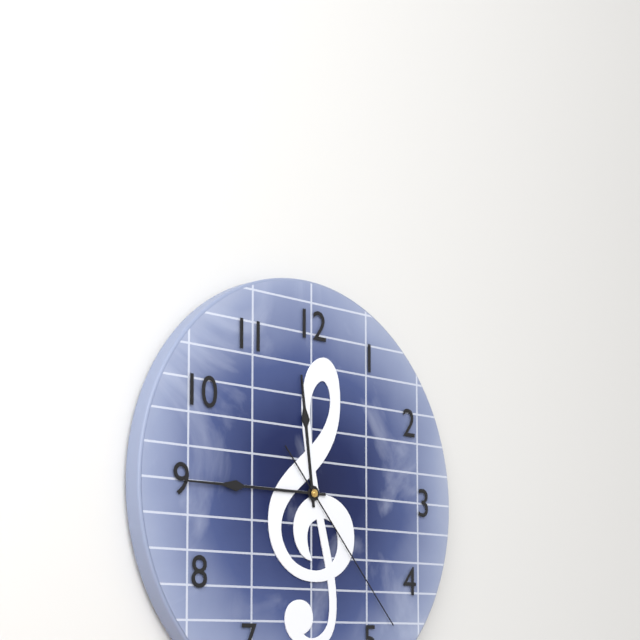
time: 11:45:23
